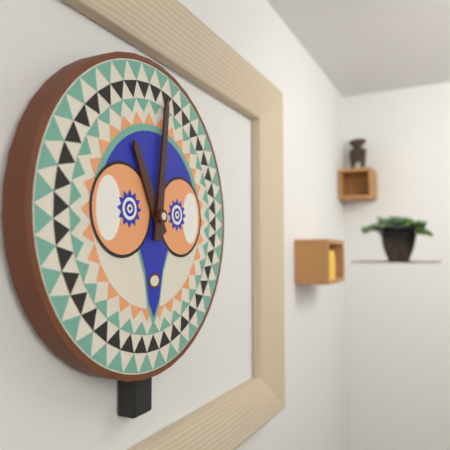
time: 11:01
